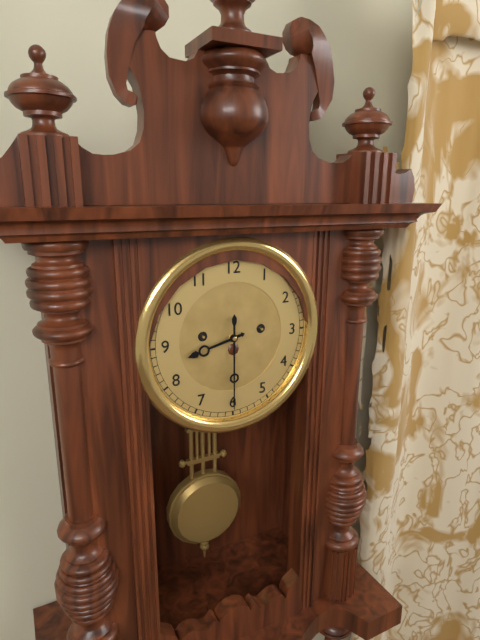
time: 8:30
